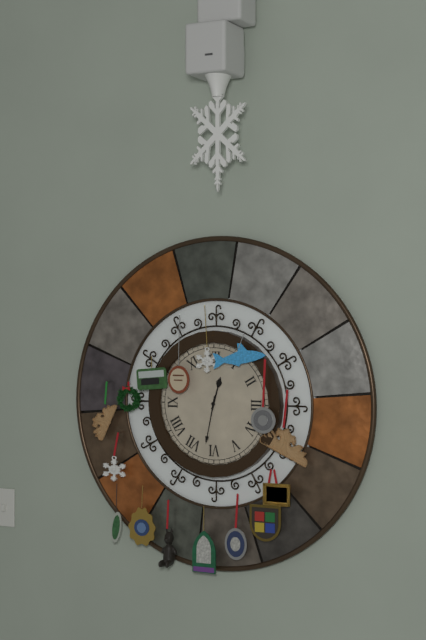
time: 12:32
